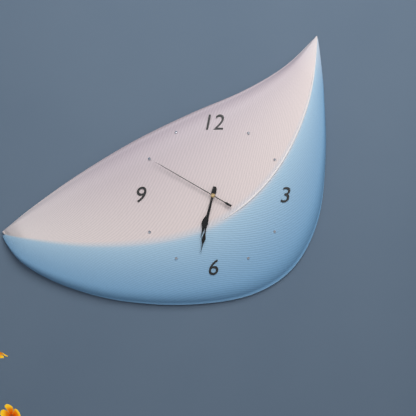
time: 6:32:50
